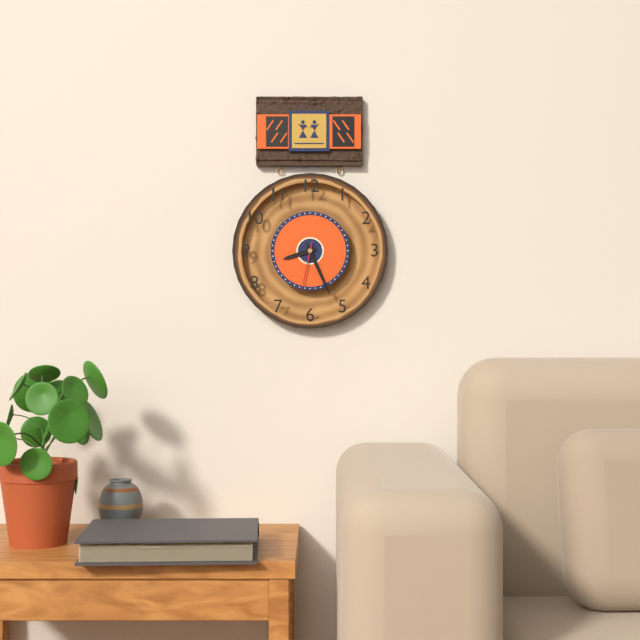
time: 8:26
